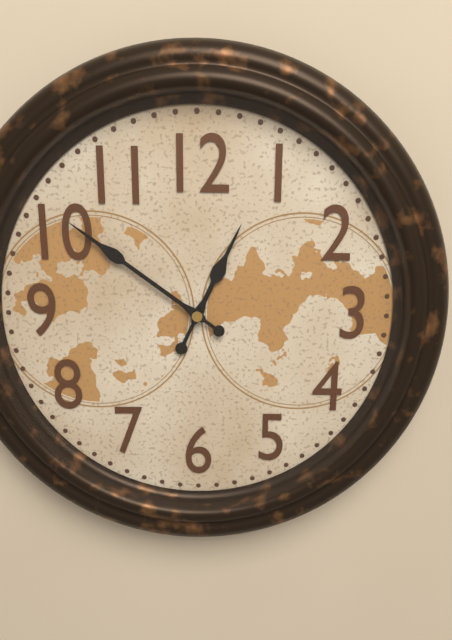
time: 12:51
